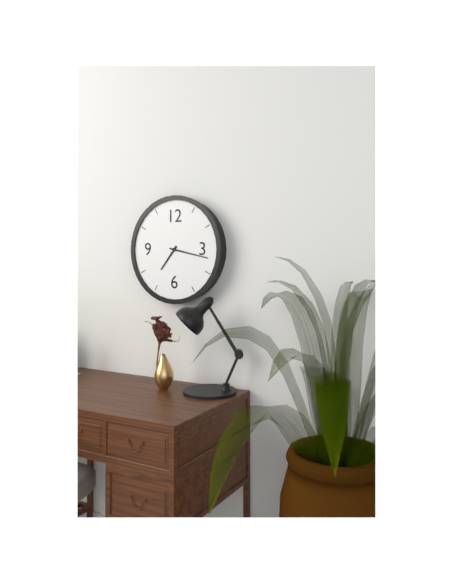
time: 7:17
